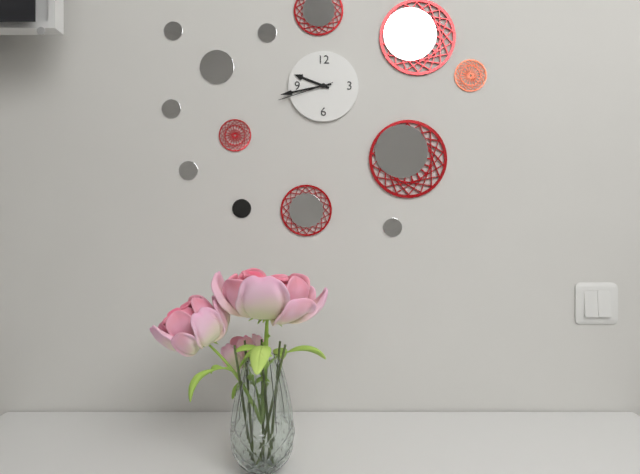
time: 9:43:42
